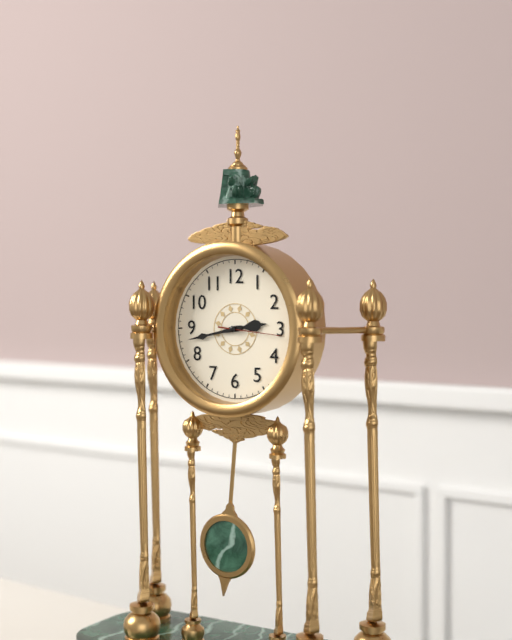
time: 2:43:16
